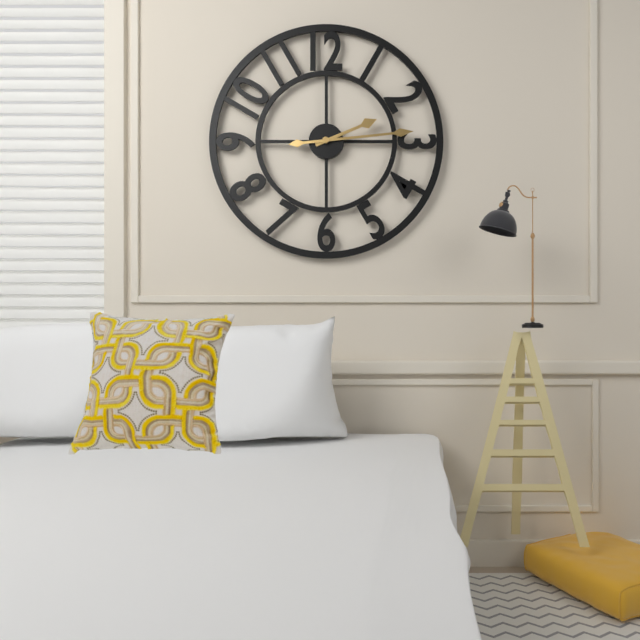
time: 2:14
